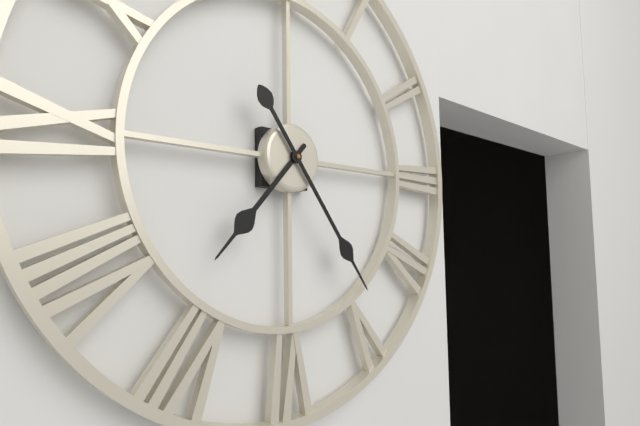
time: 7:24
